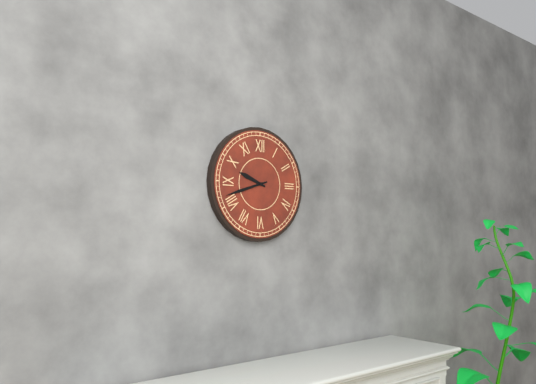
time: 9:42
